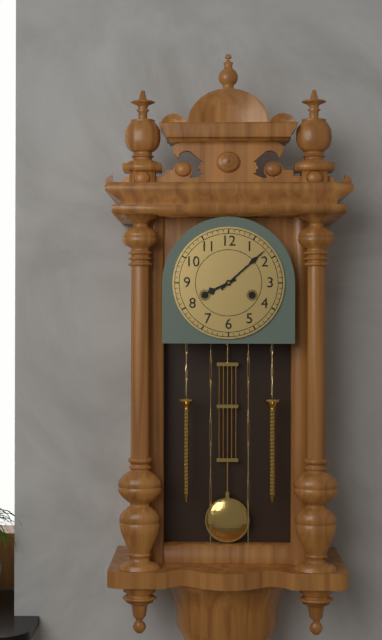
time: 8:08
